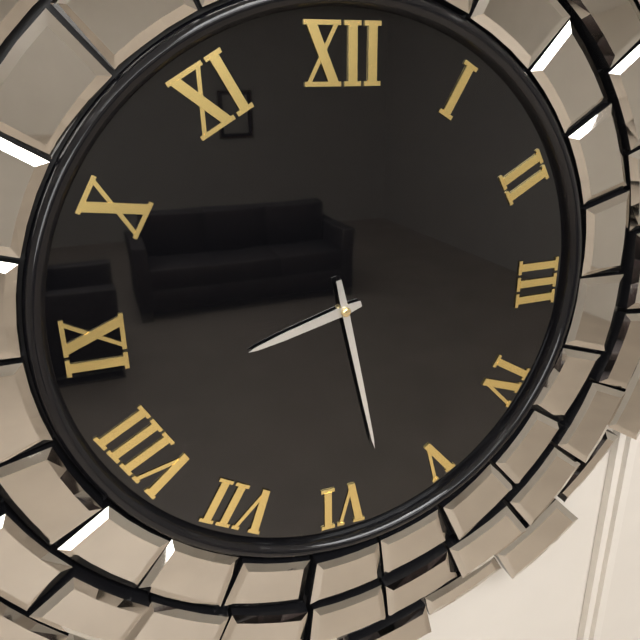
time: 8:28
